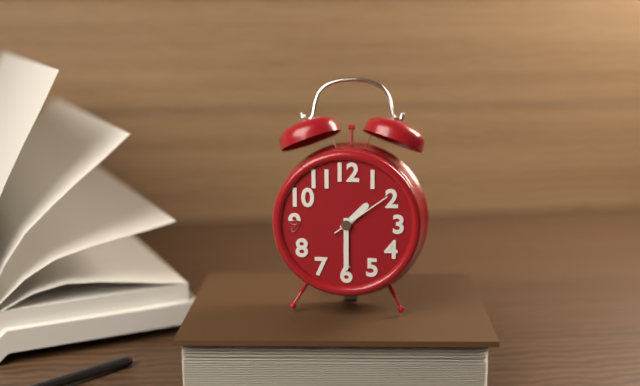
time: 1:30:09
